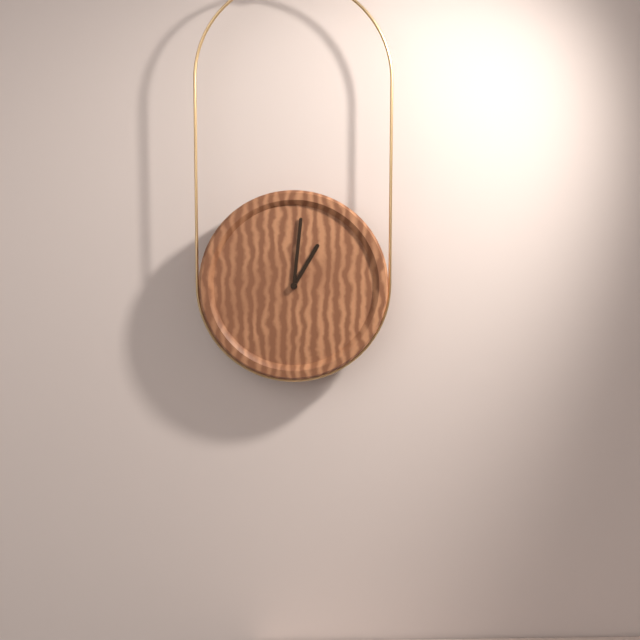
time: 1:01
